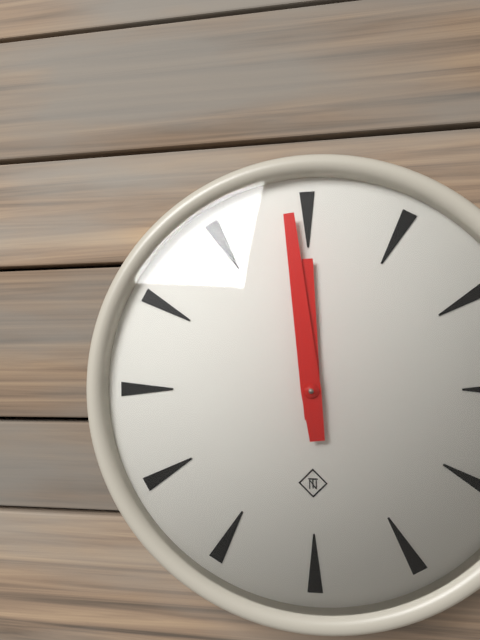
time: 11:59
